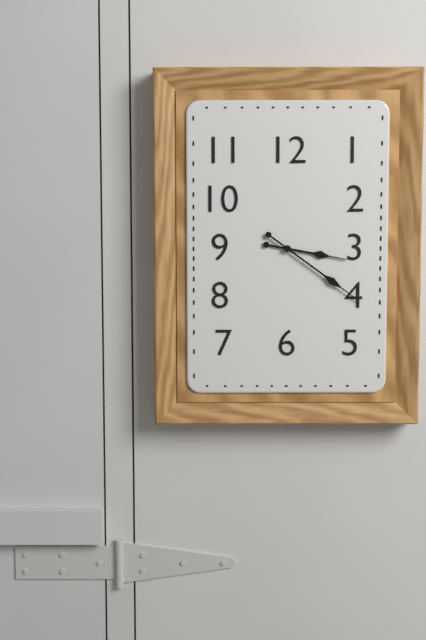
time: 3:21
